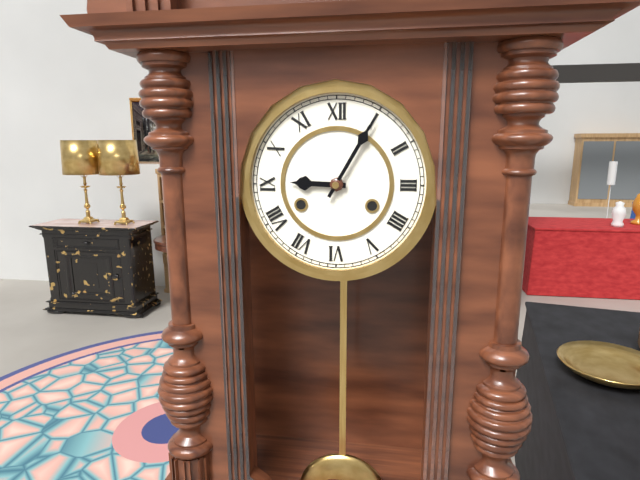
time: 9:05
